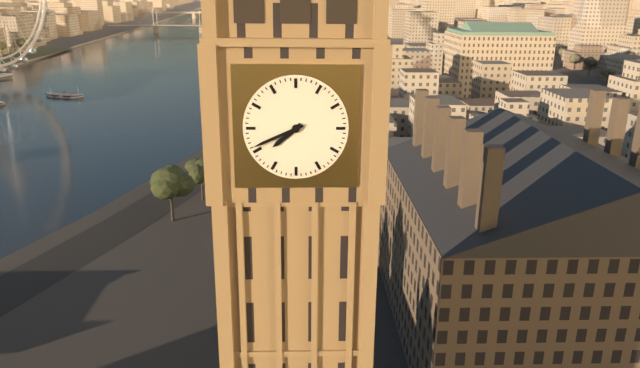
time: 7:41
